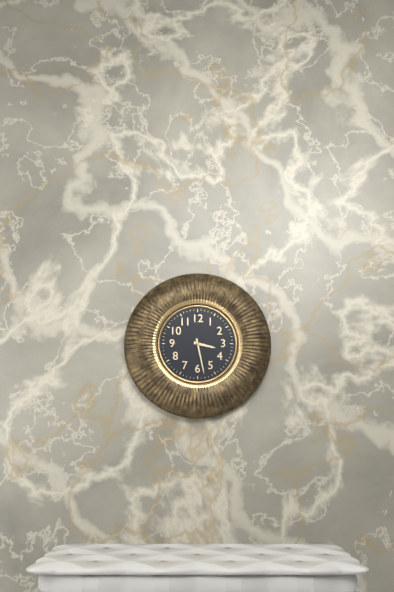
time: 3:28
